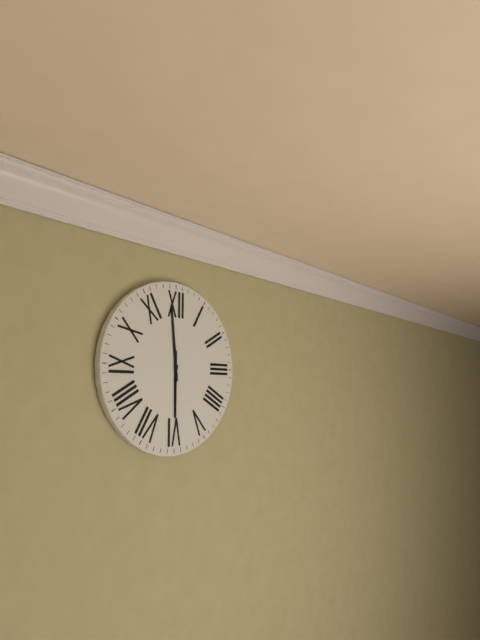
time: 5:59
